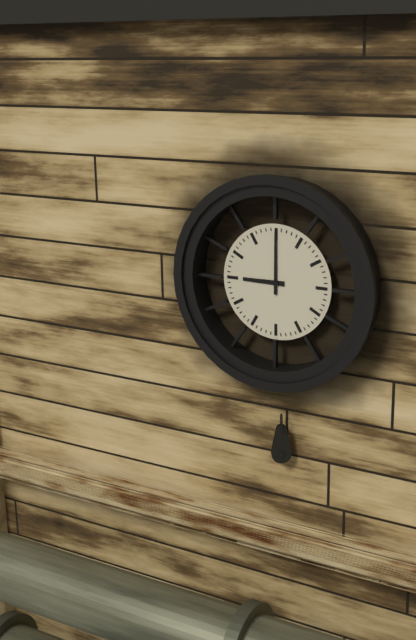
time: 9:00
